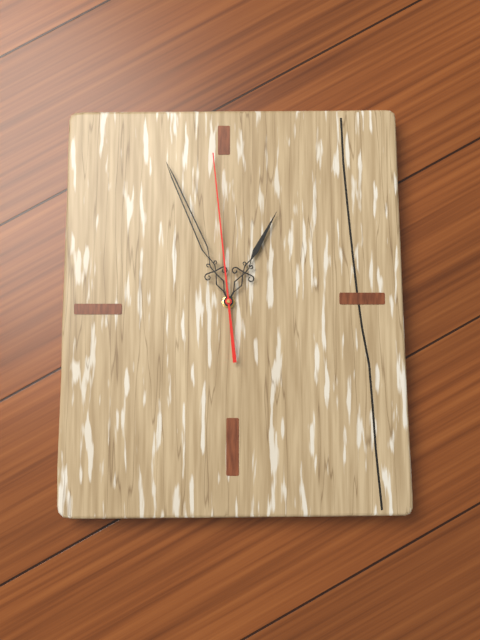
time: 12:56:59
